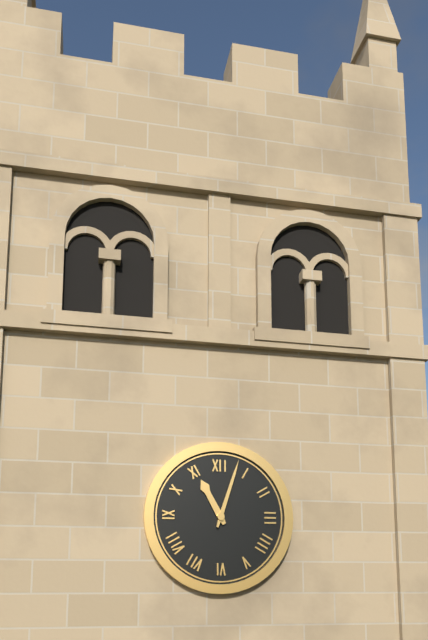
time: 11:03
